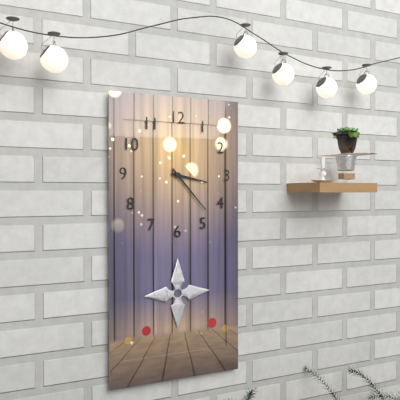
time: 3:23
